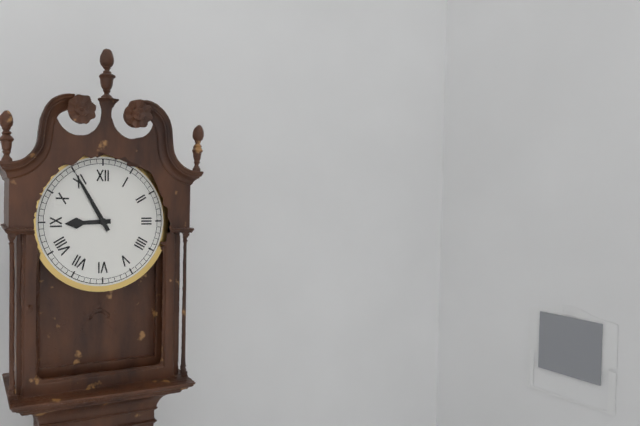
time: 8:55
